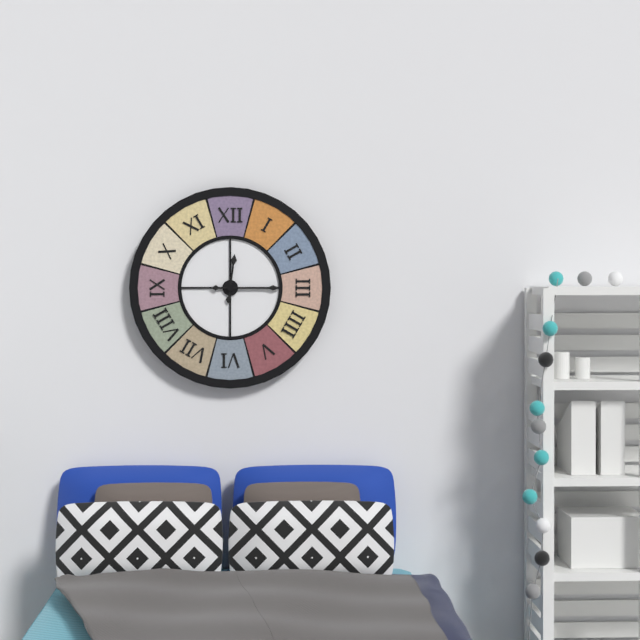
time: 12:15
